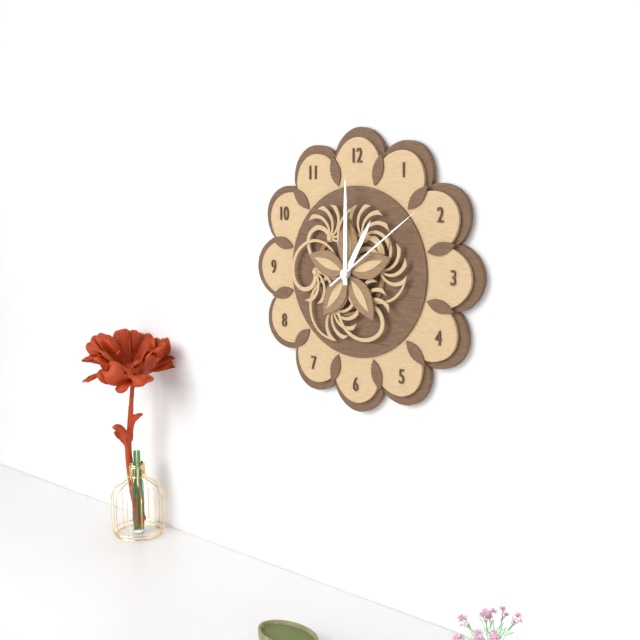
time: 1:00:09
